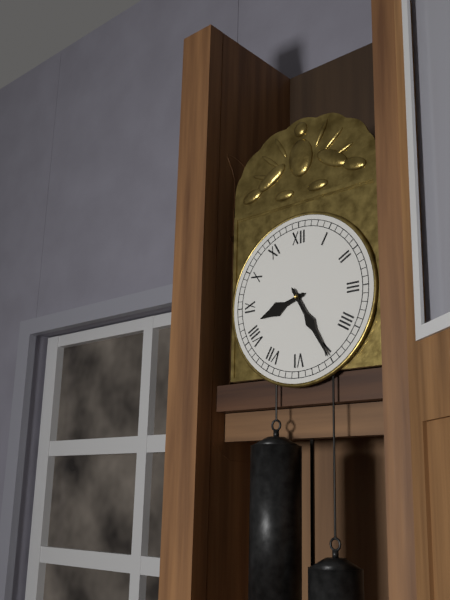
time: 8:25
